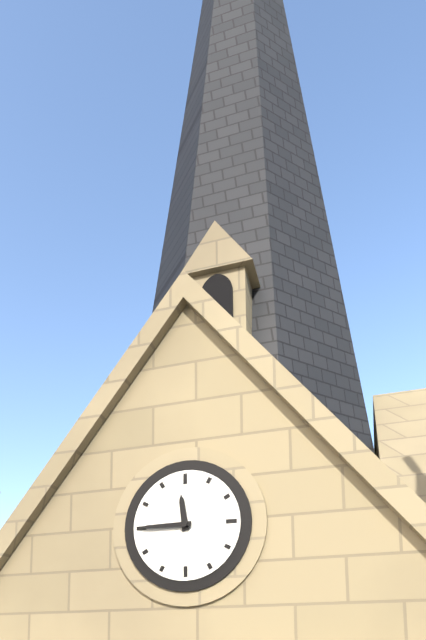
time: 11:45
